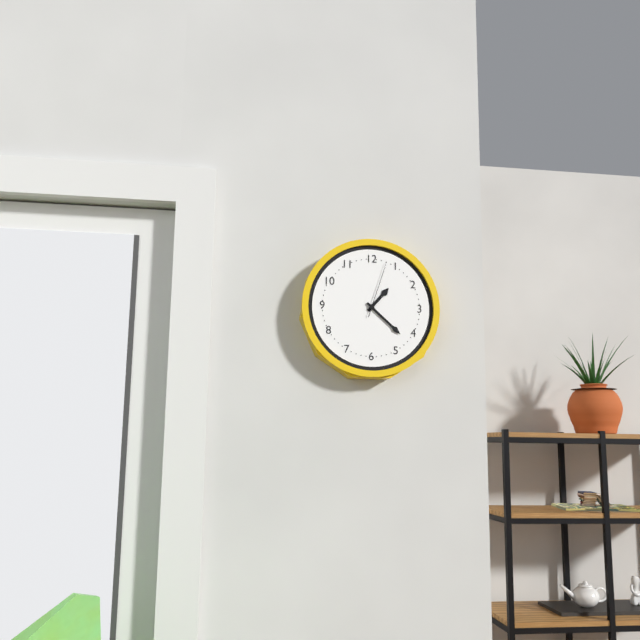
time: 1:22:03
